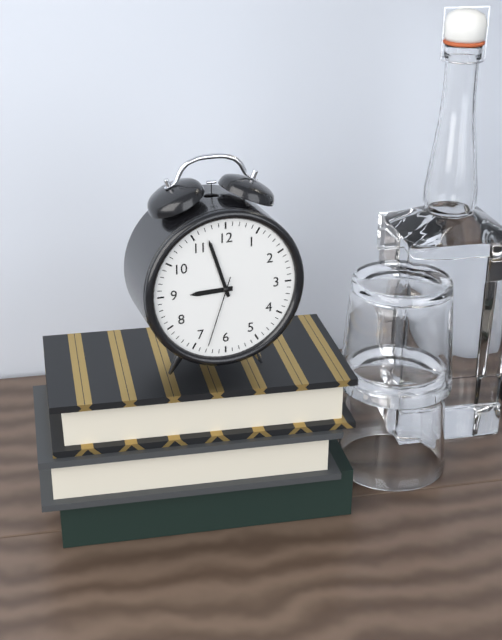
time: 8:57:33
